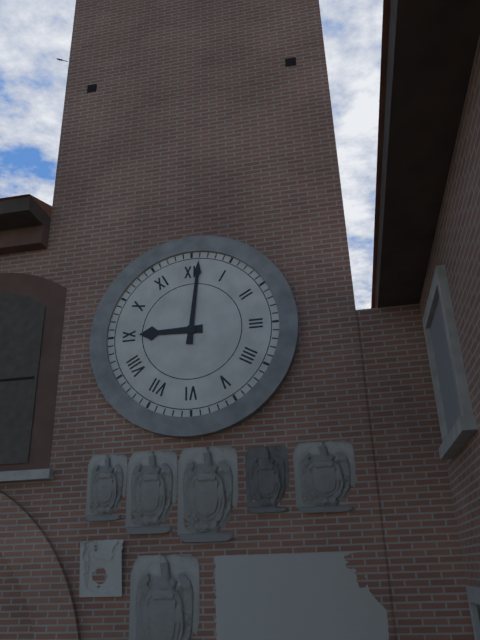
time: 9:01
